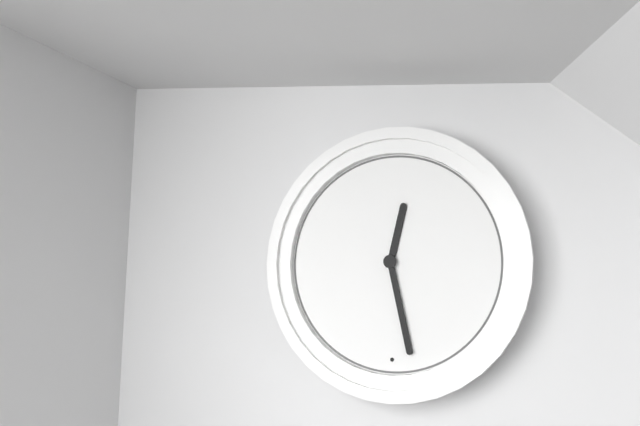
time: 12:28
